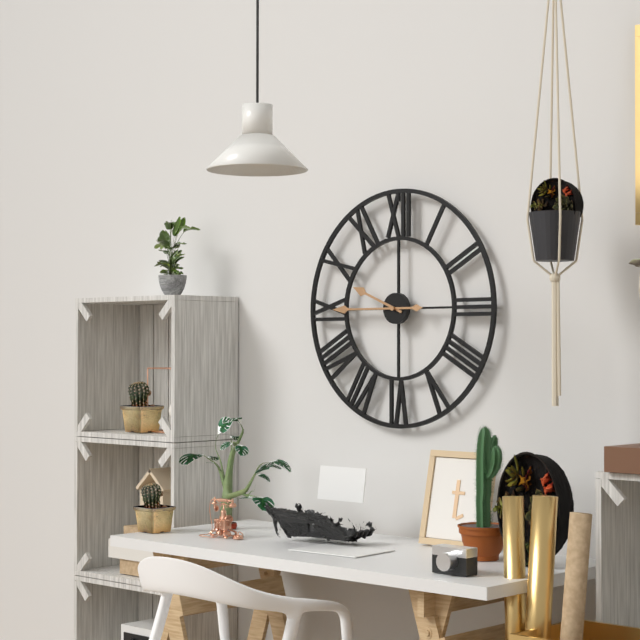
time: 9:45
